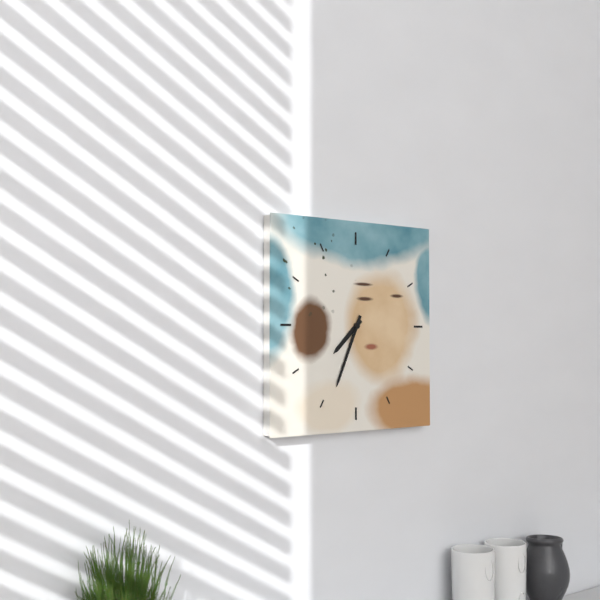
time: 7:34
